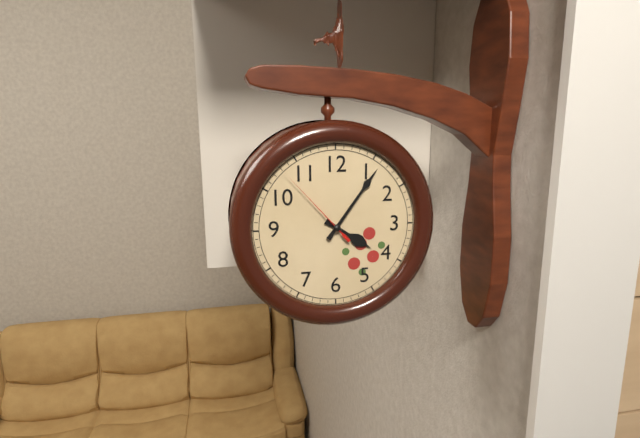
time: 4:06:53
